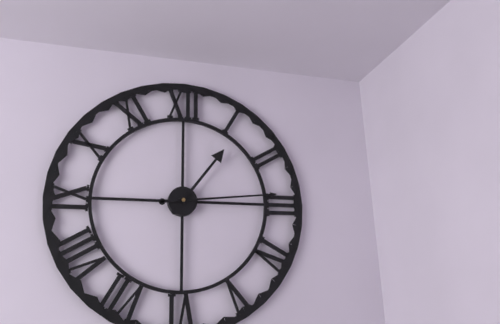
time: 1:14
